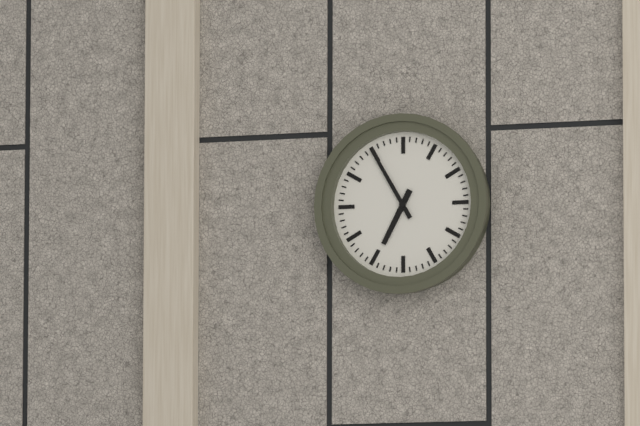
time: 6:55
